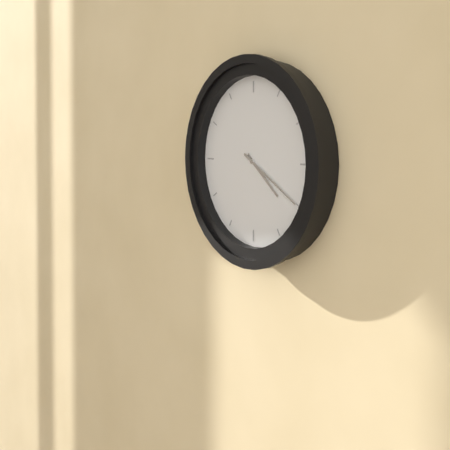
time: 4:20
